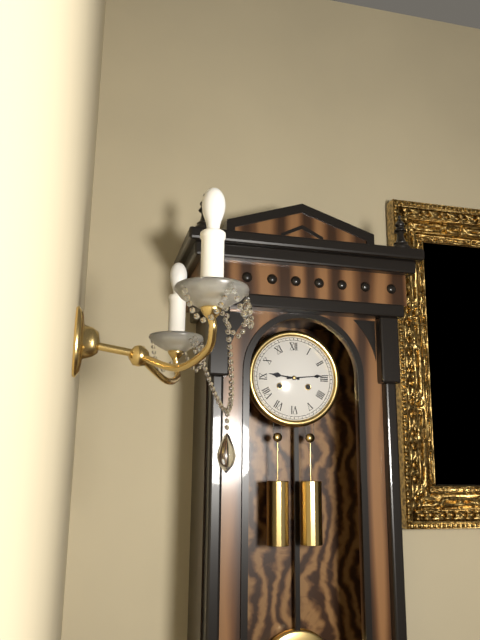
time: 9:14
